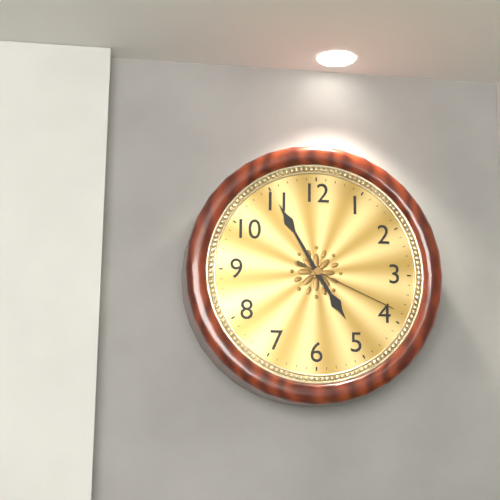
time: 4:55:19
